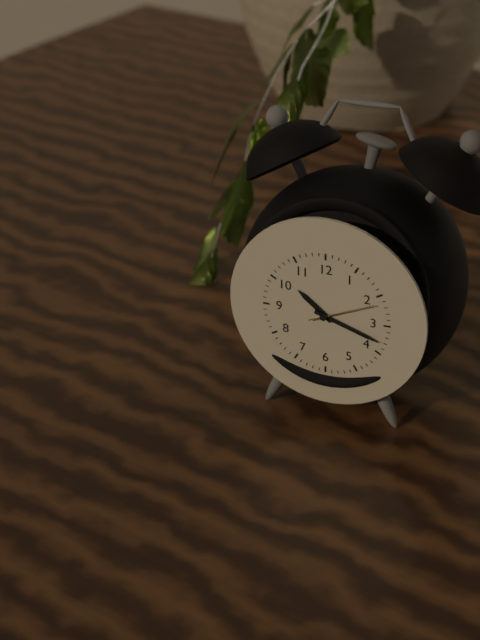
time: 10:18:11
